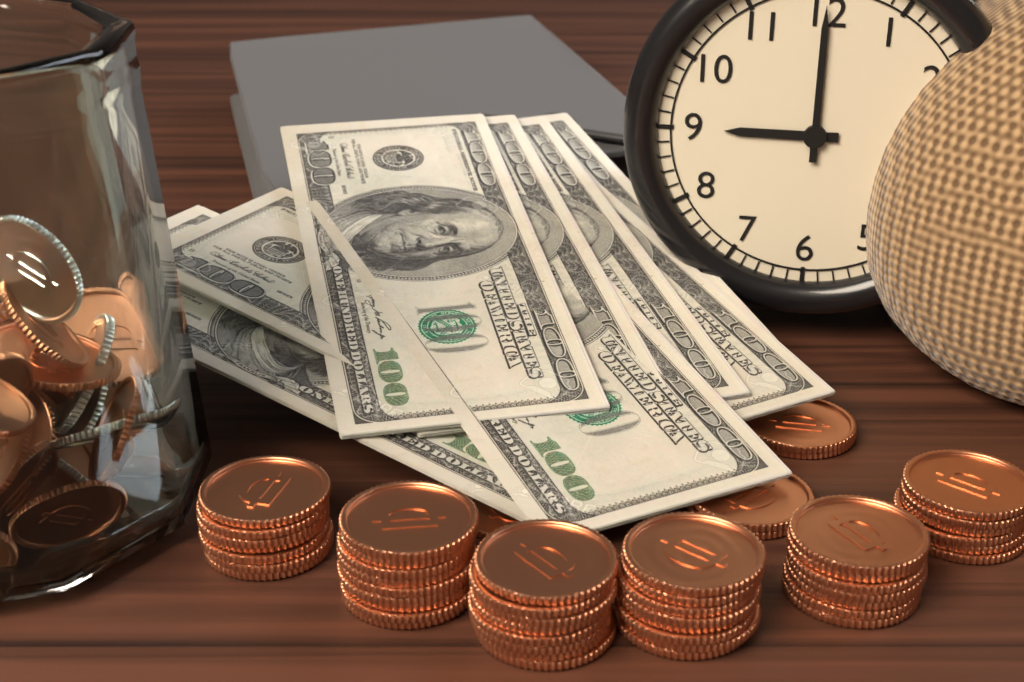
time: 9:00
